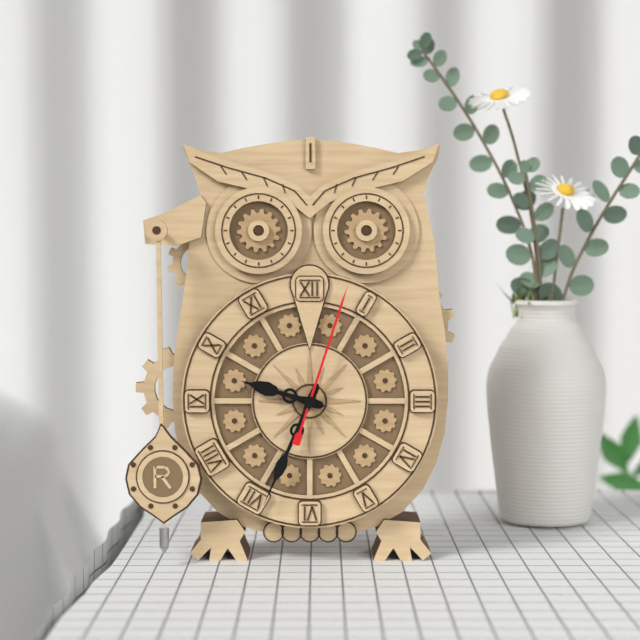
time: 9:34:03
